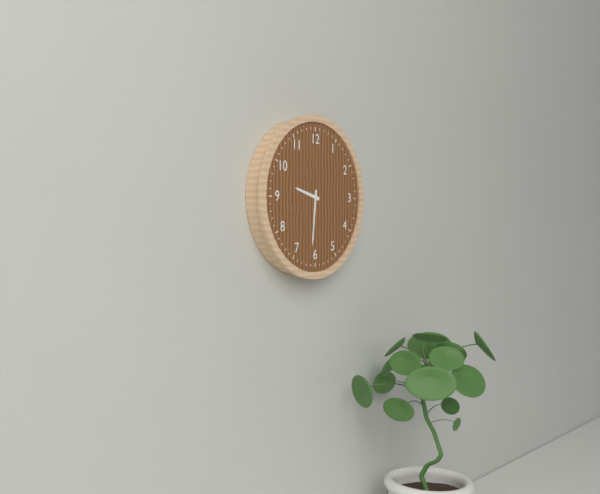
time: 9:31
